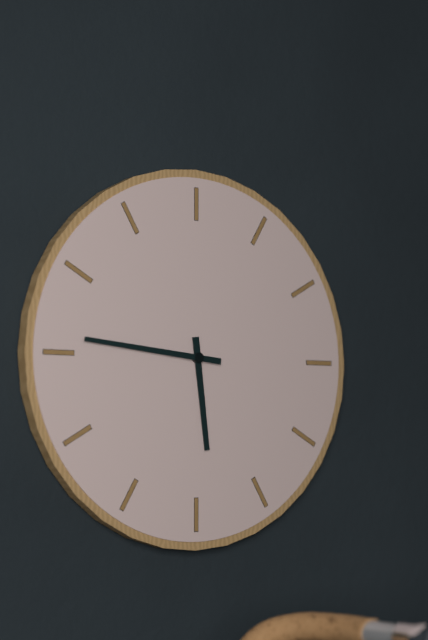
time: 5:46
